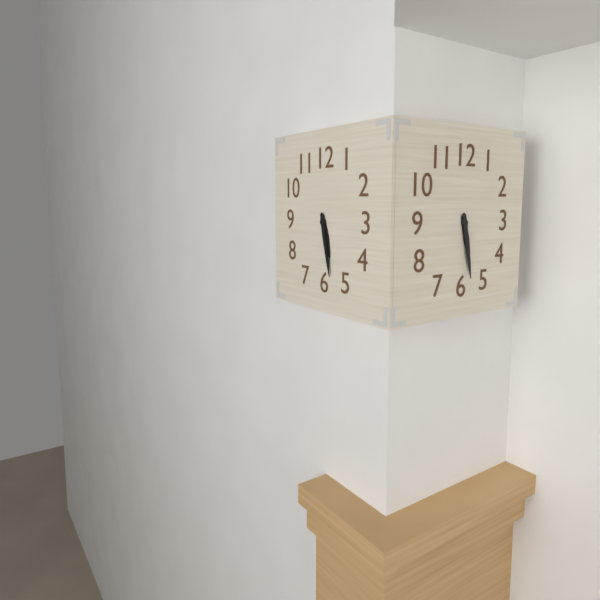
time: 5:28
